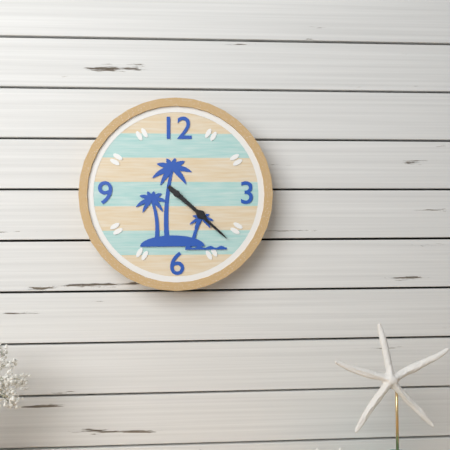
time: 4:22
